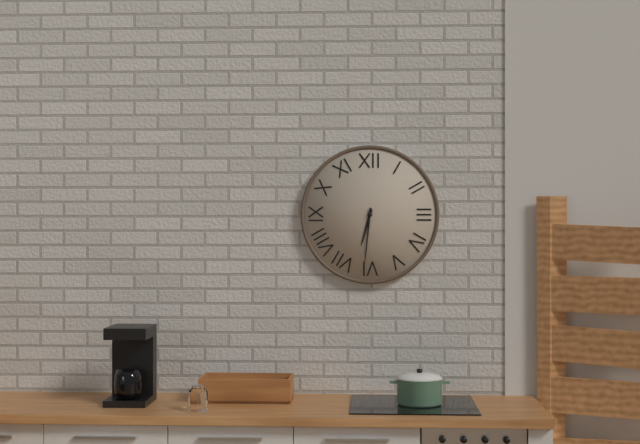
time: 6:31
